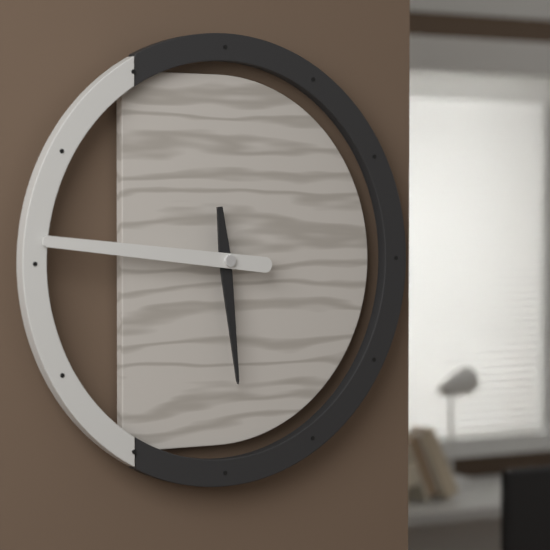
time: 5:46
